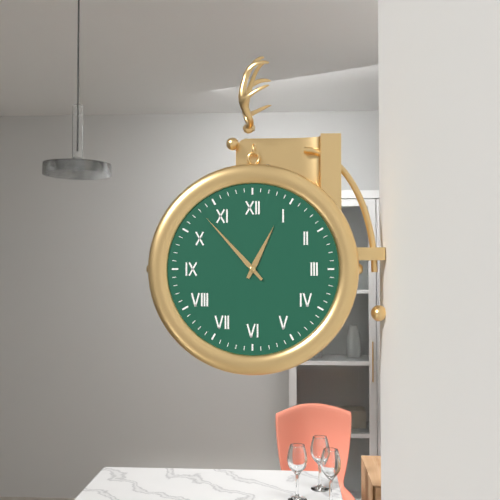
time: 12:53
